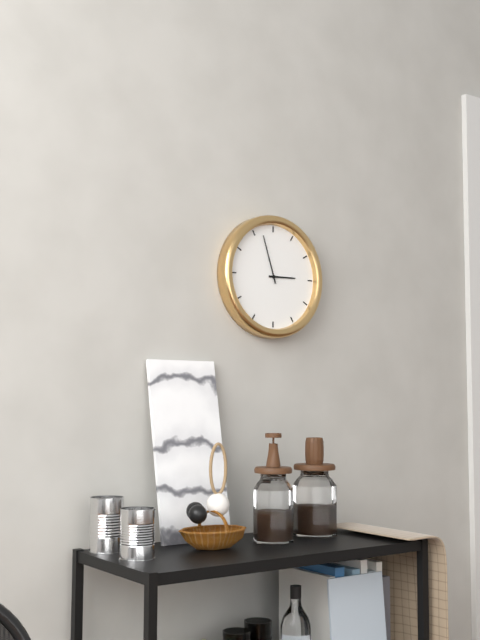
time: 2:57
